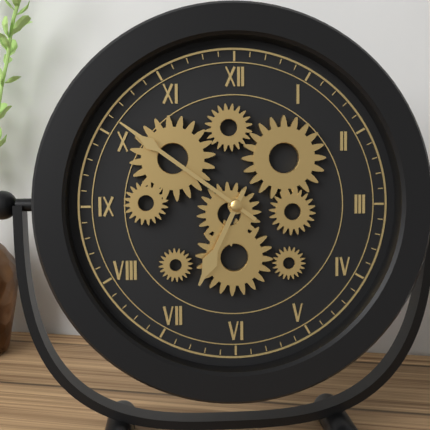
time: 6:51
